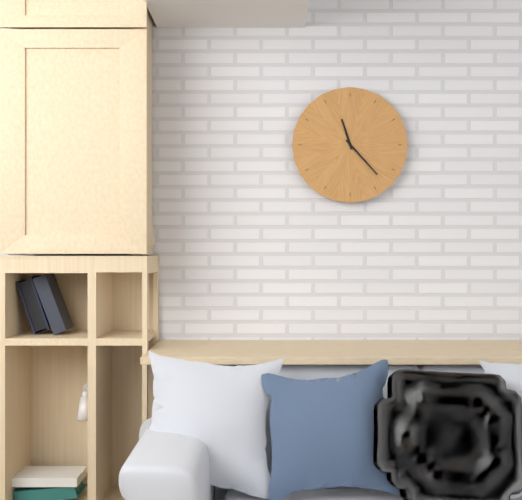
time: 11:23
